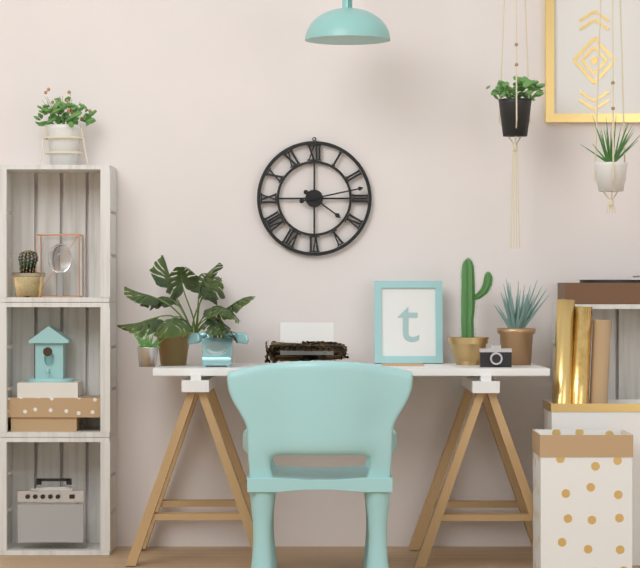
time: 4:13
